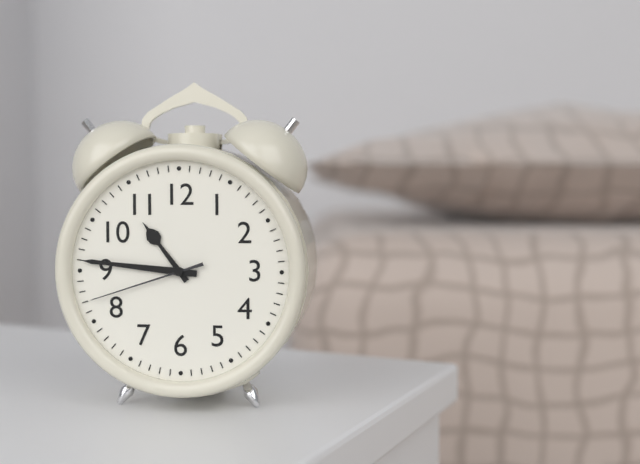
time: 10:46:42
